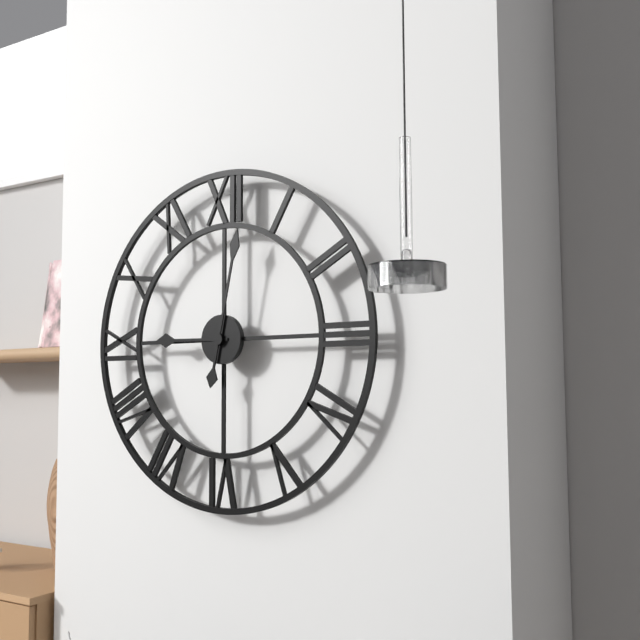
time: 9:02
